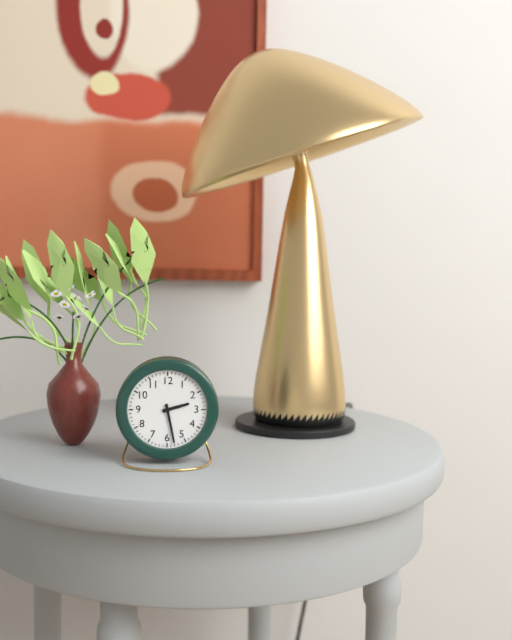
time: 2:28
